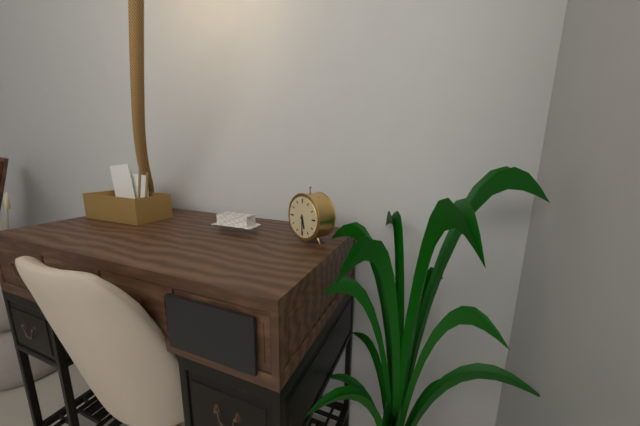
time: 5:30
